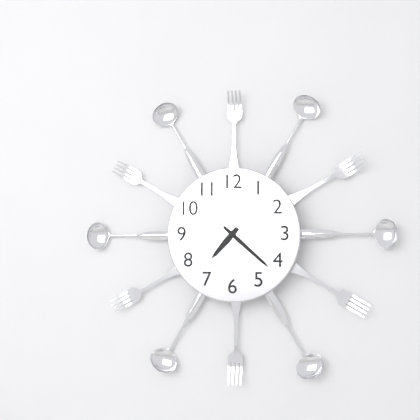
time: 7:22
